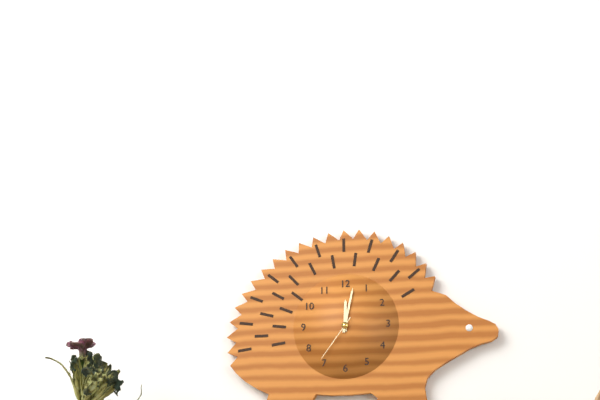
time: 12:02:36
